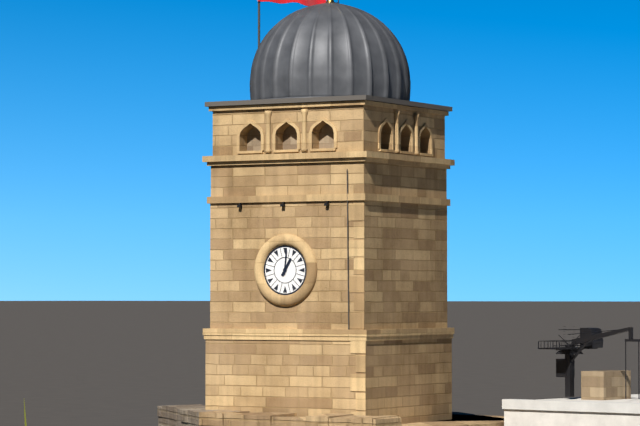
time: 1:01
